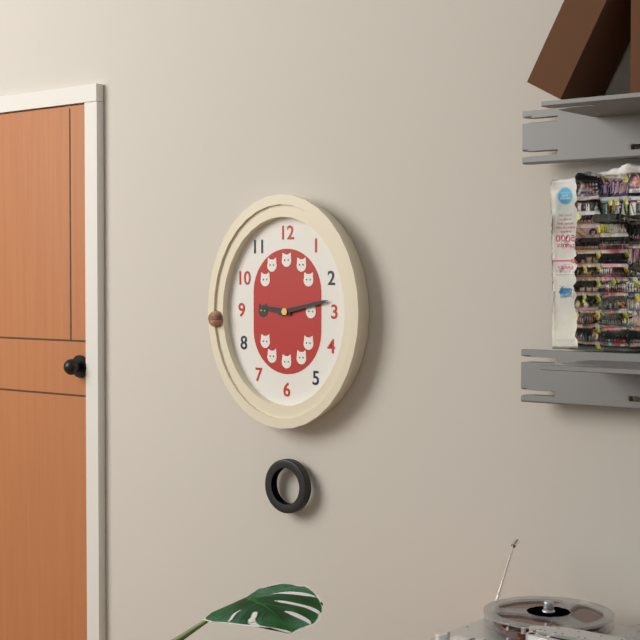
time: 9:13
